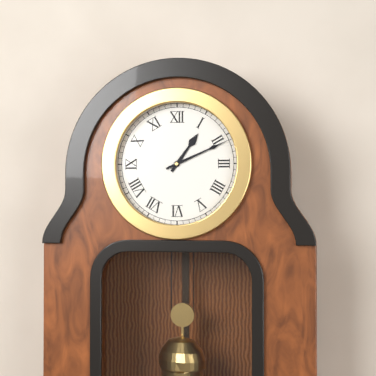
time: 1:11
